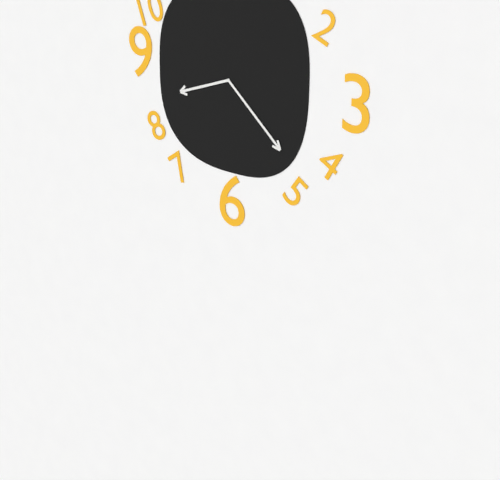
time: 8:22
